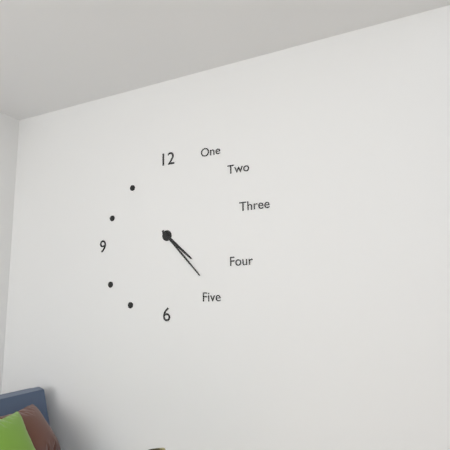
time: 4:23
